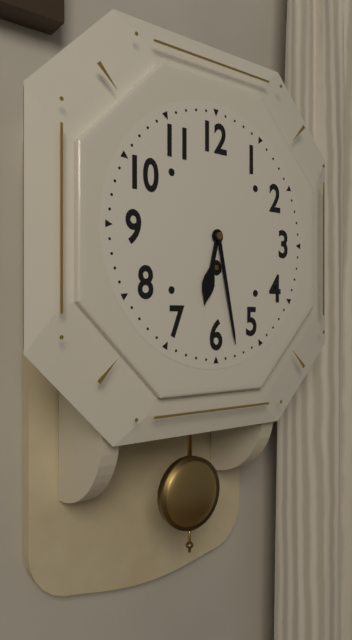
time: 6:28
